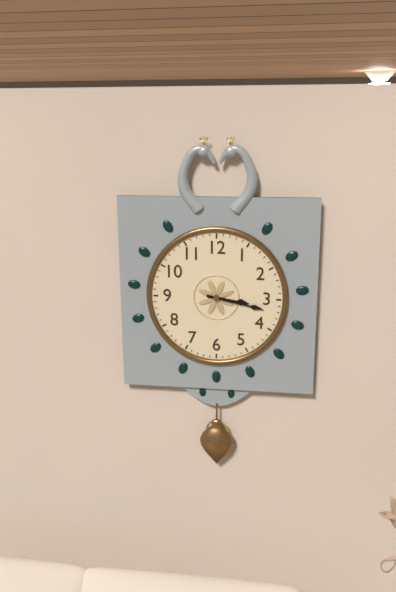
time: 3:17
